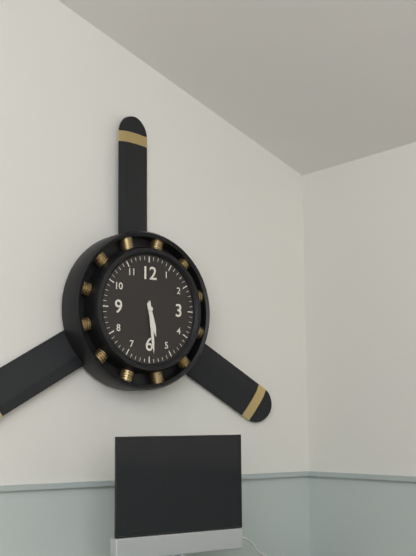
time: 5:29
